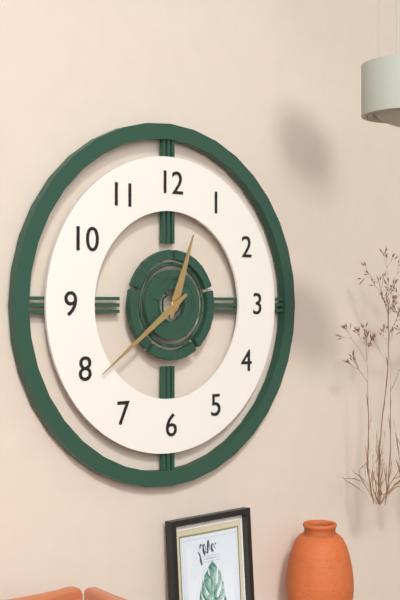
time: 12:39
